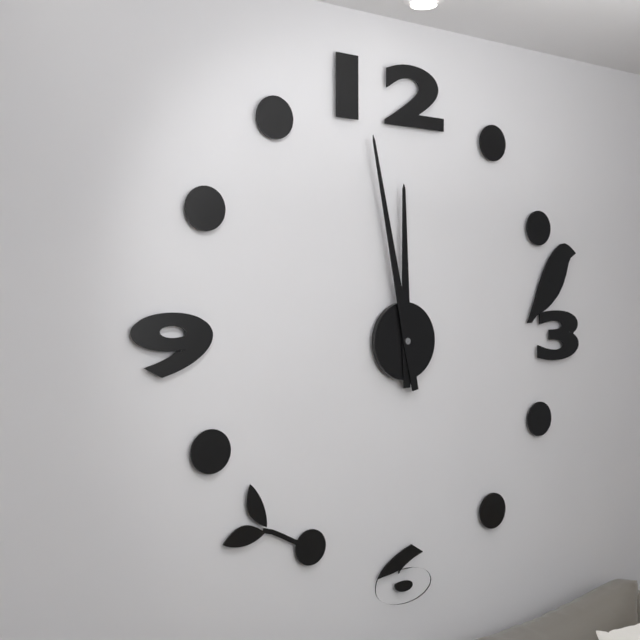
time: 11:58
